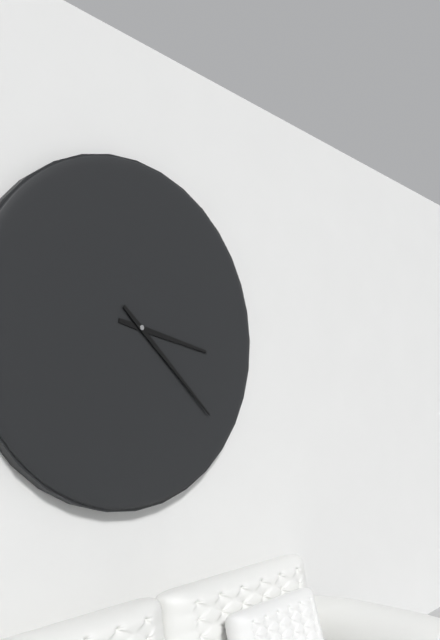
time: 3:22
